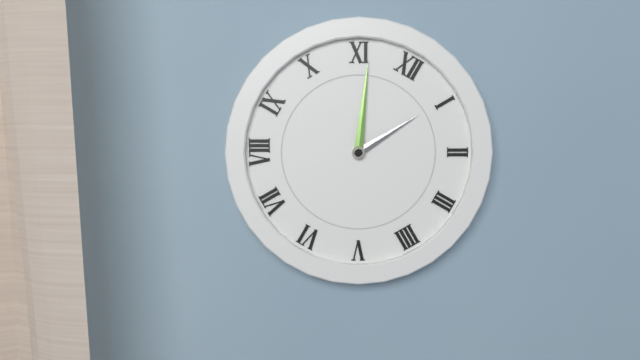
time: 12:56
